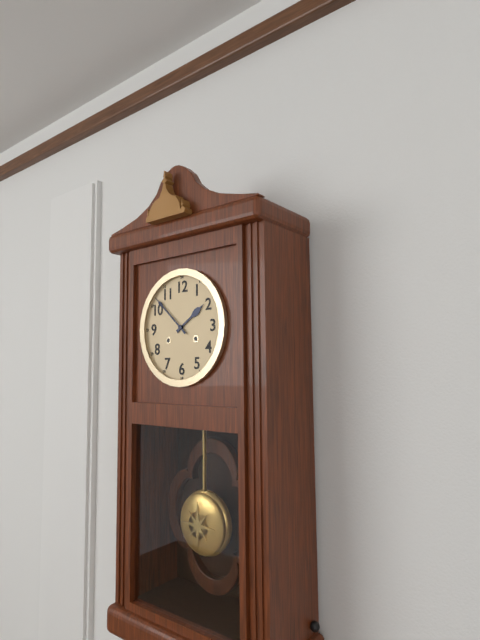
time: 1:52
